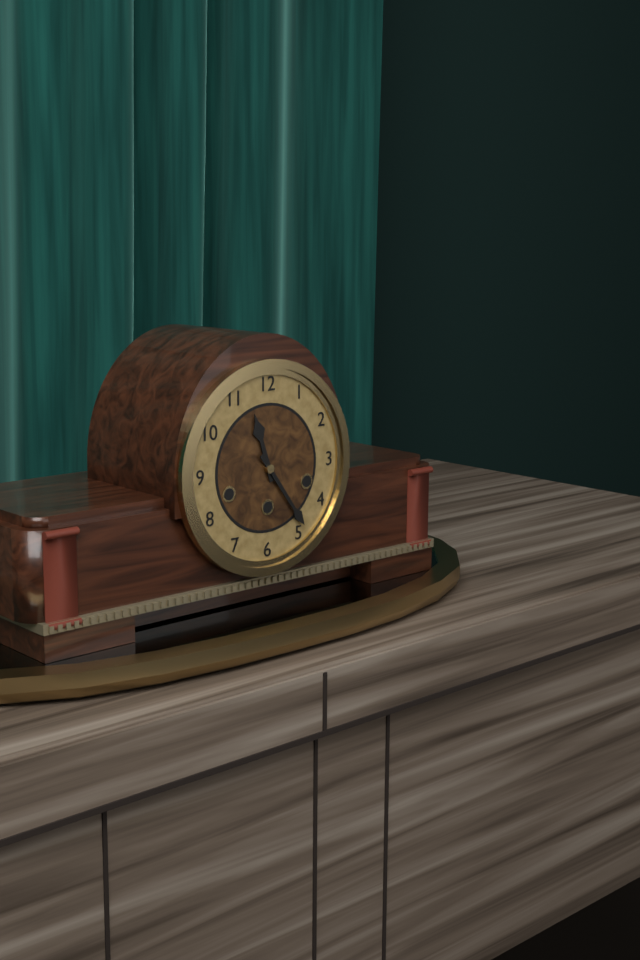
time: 11:24
